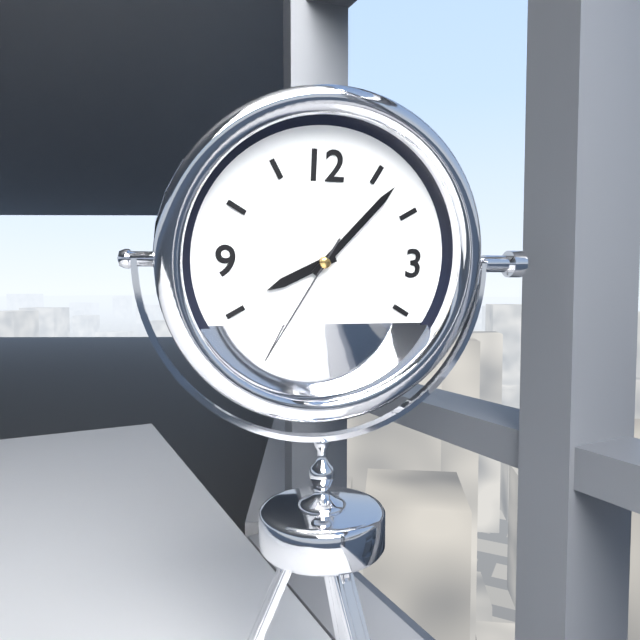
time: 8:07:35
